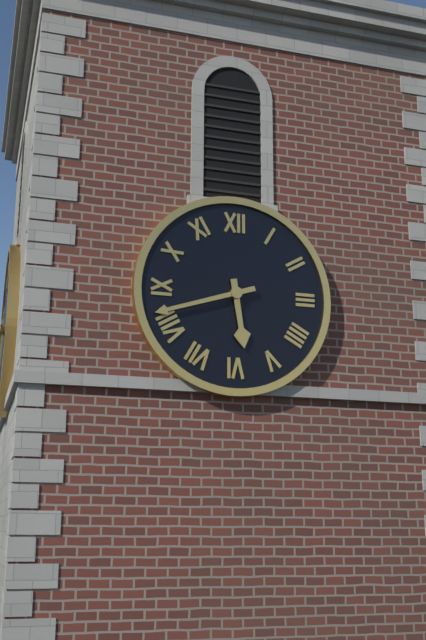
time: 5:42
